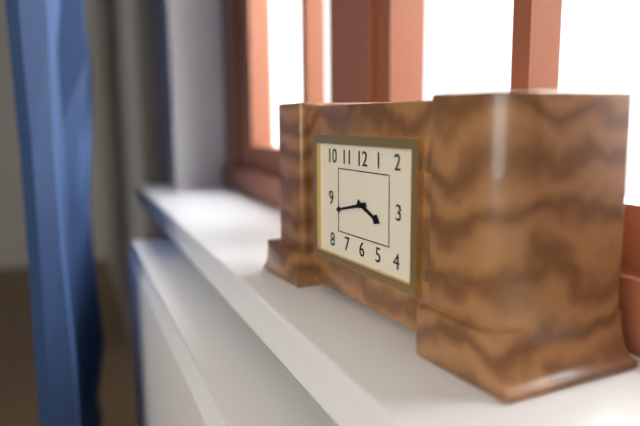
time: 3:43
